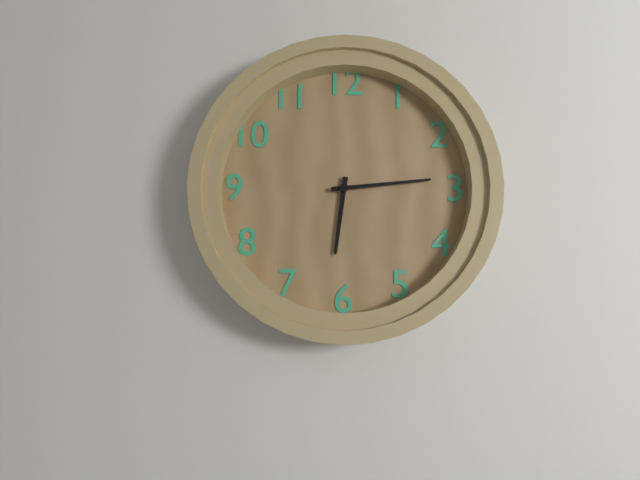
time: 6:14
